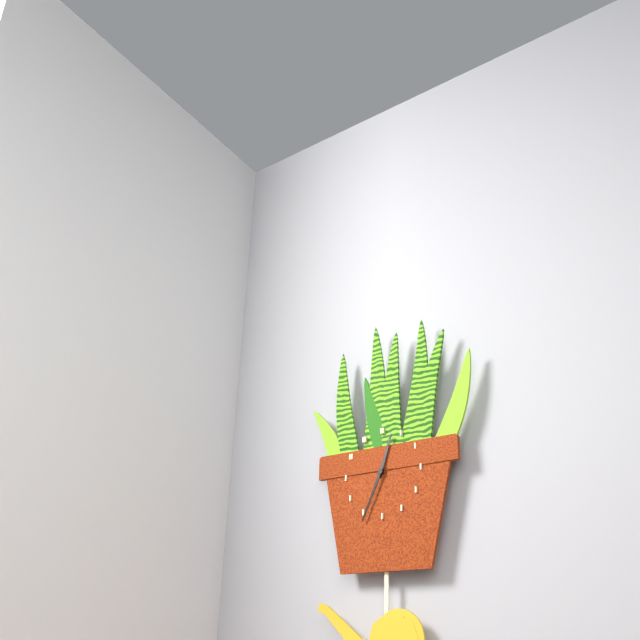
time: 12:34
